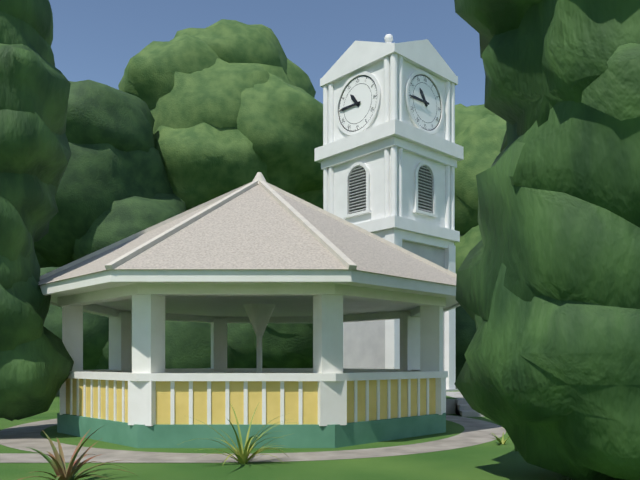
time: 10:45
